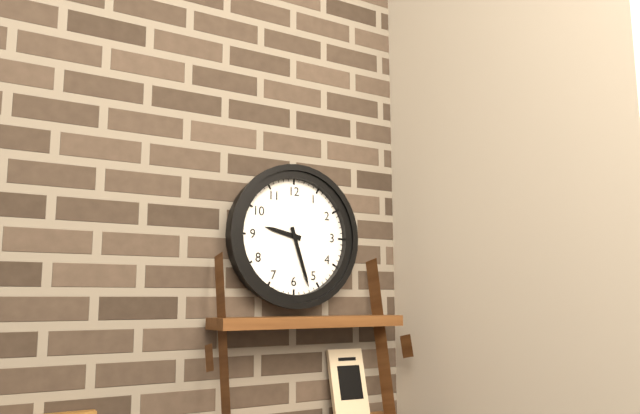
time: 9:27
